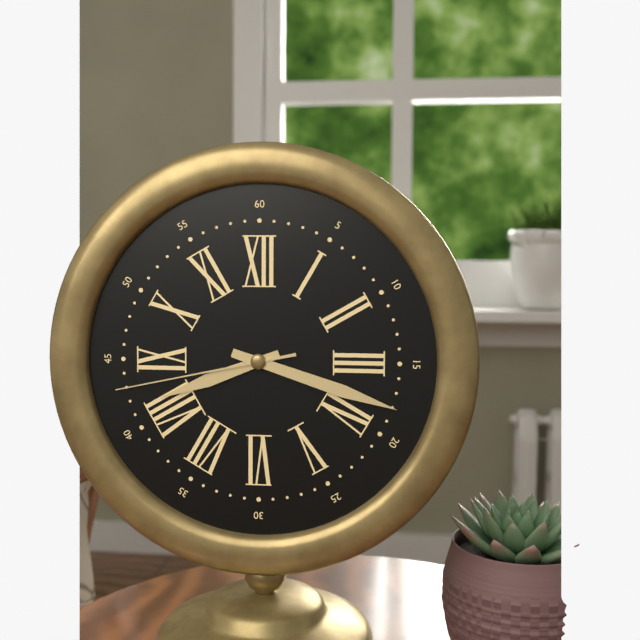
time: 8:18:43
